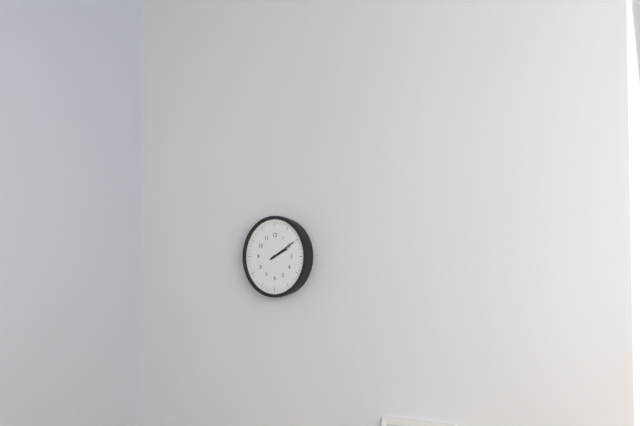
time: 2:10
